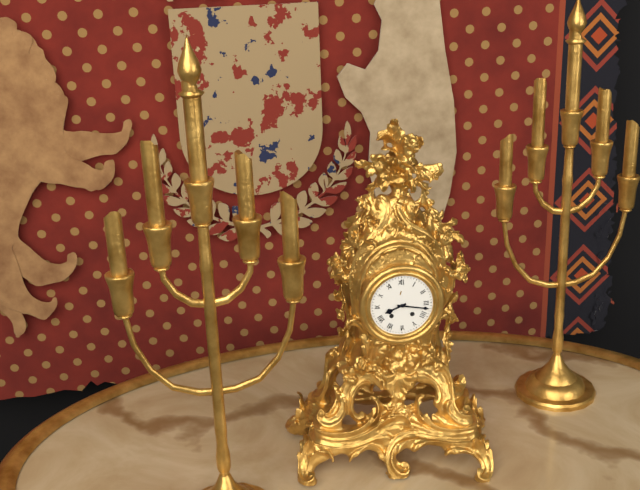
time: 8:17
